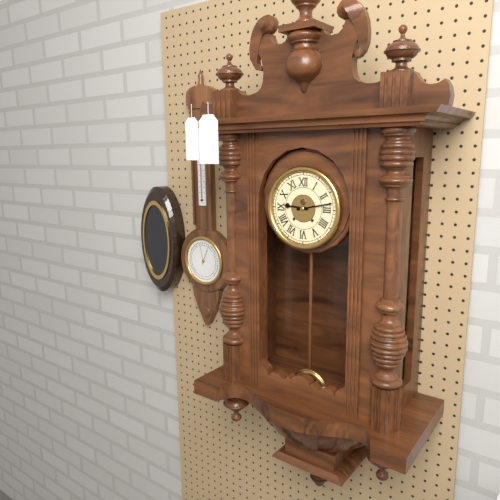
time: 9:13
